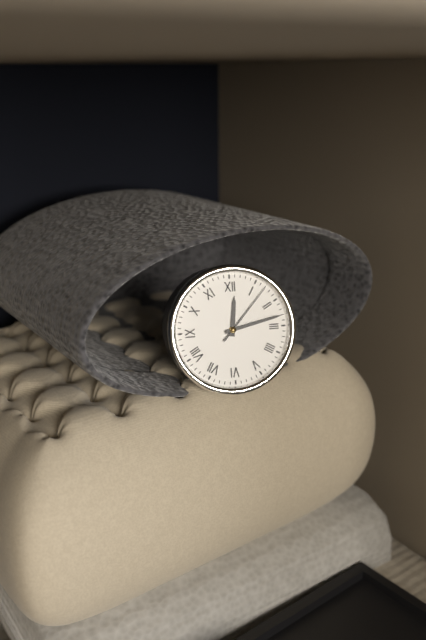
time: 12:13:07
